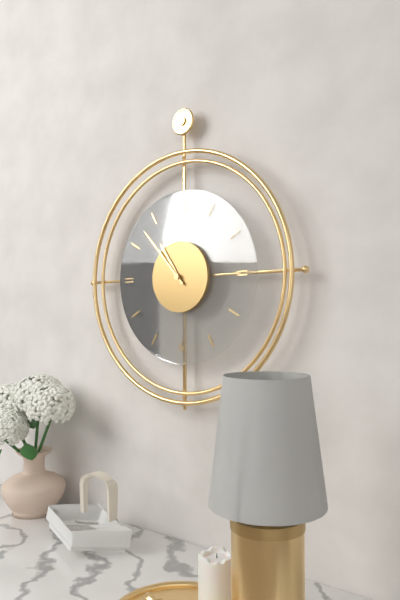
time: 10:53
